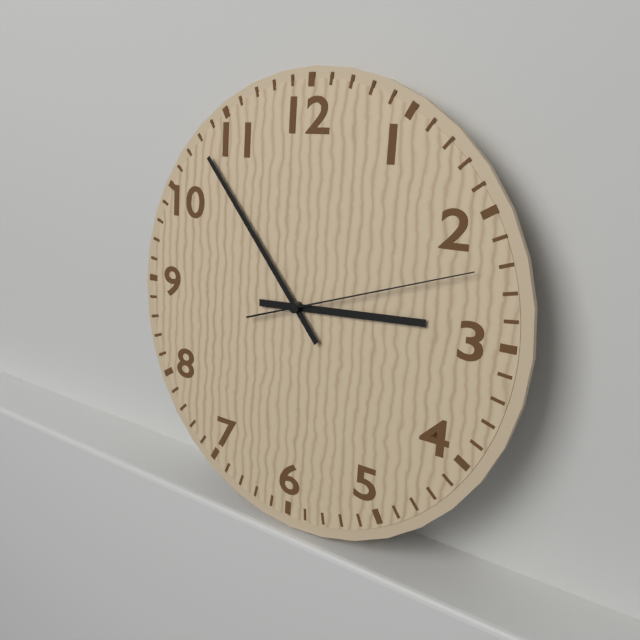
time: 2:53:12
